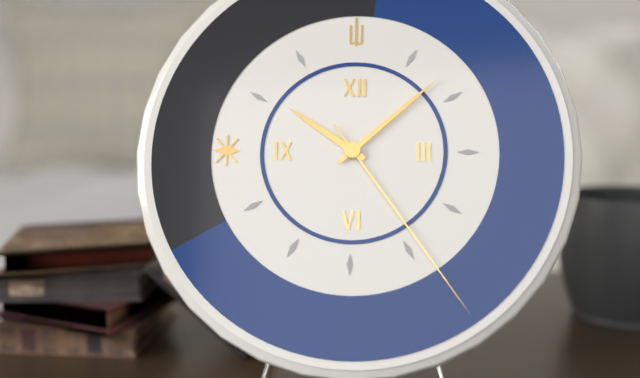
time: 10:08:24
